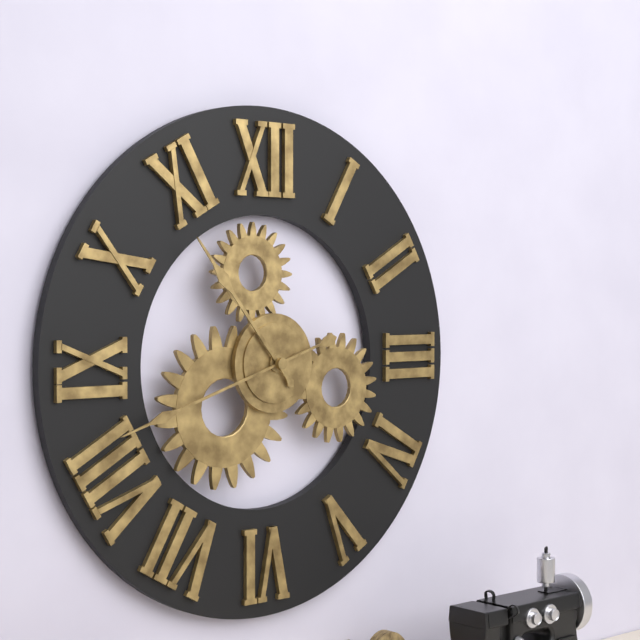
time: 10:42
